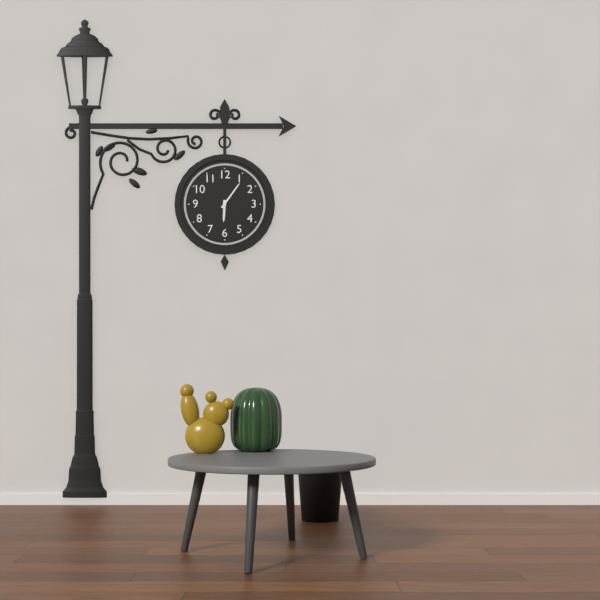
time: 6:06
